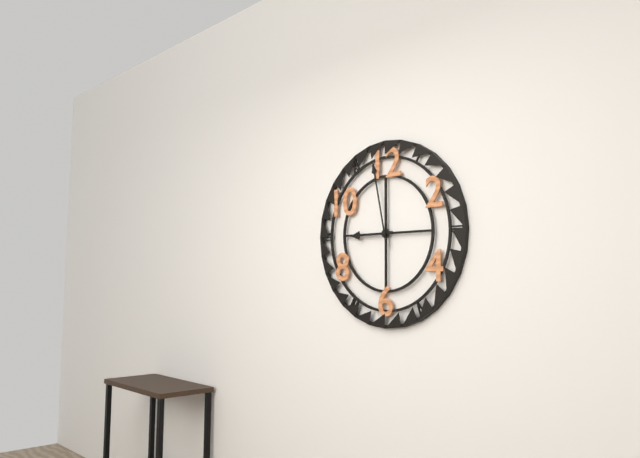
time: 8:58
